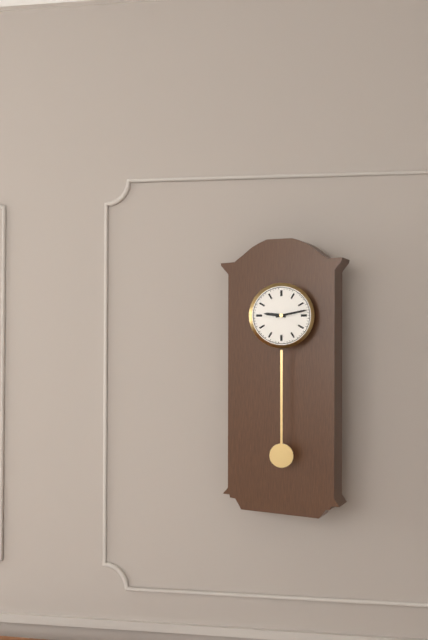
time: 9:13
